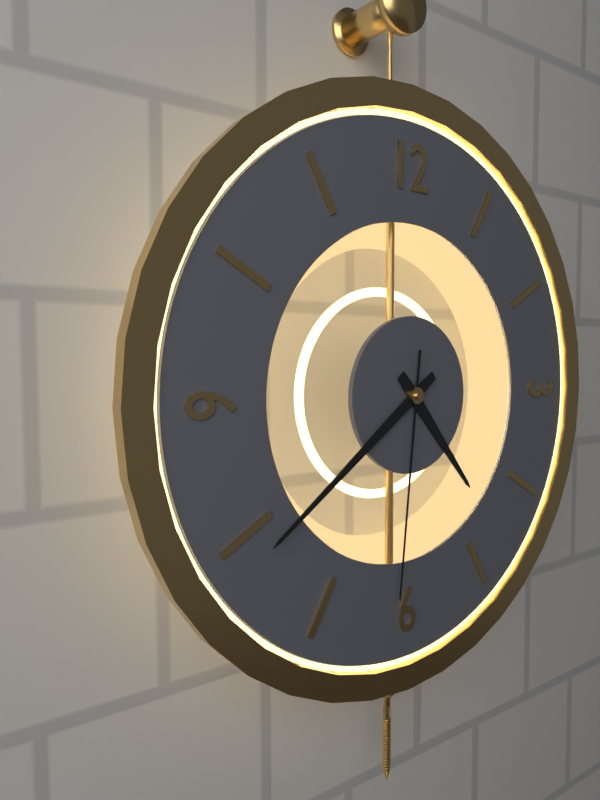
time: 4:39:31
